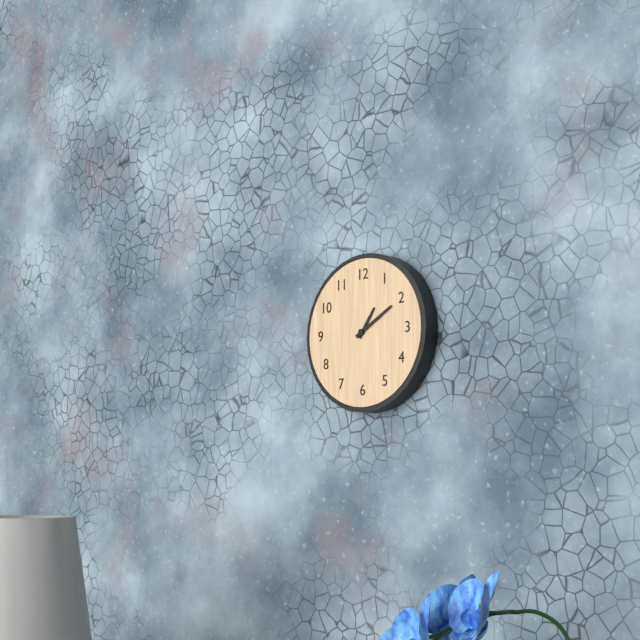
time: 1:10
